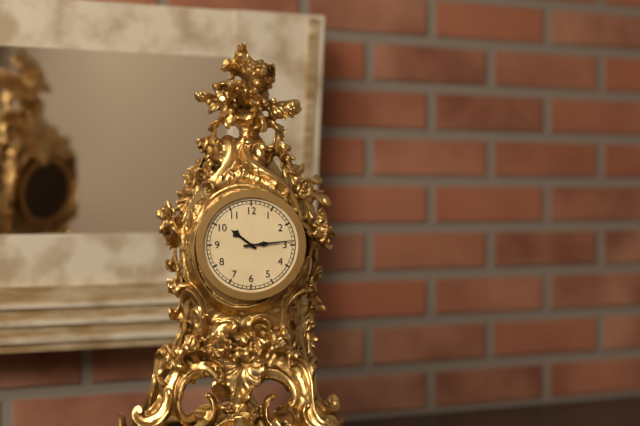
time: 10:14
